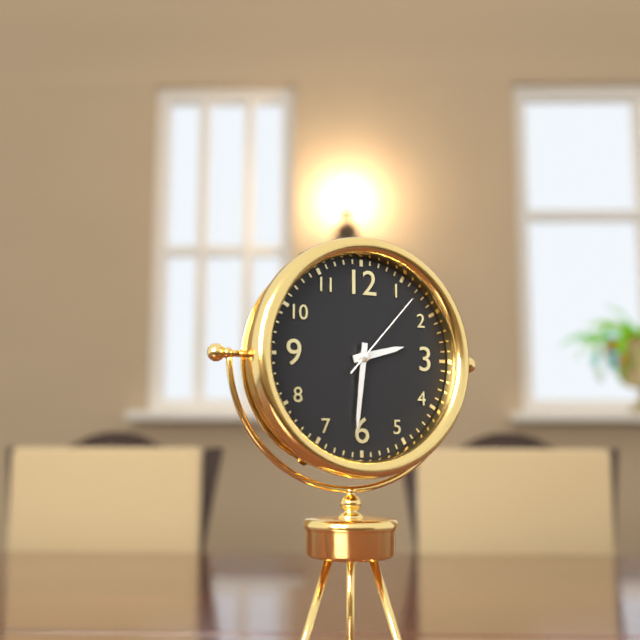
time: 2:31:07
